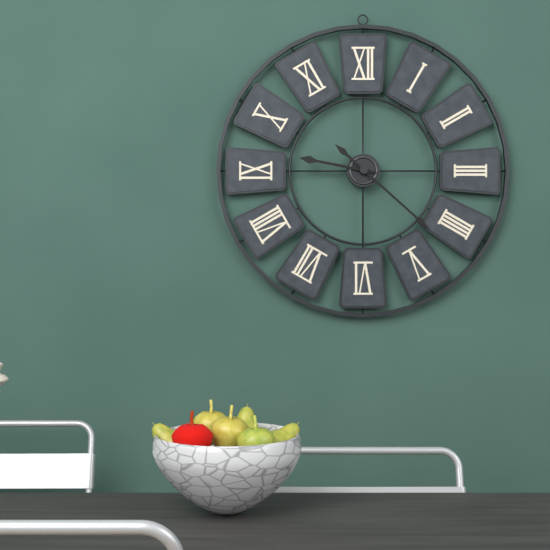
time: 9:22
